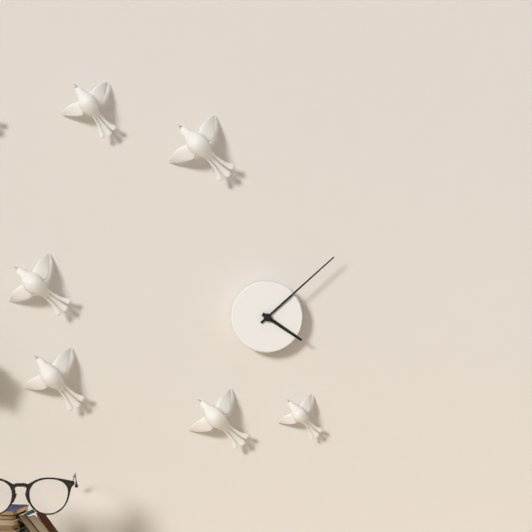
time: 4:08
